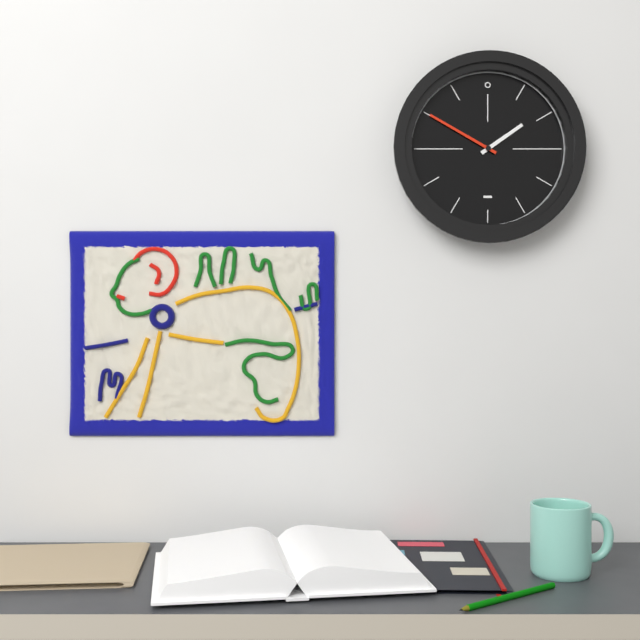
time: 1:50
